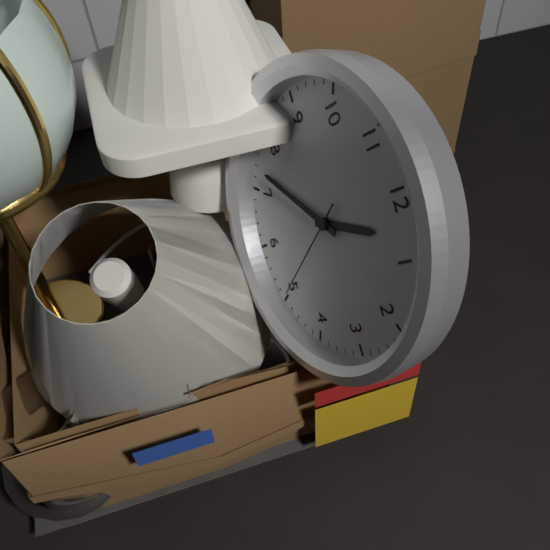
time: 12:37:25
